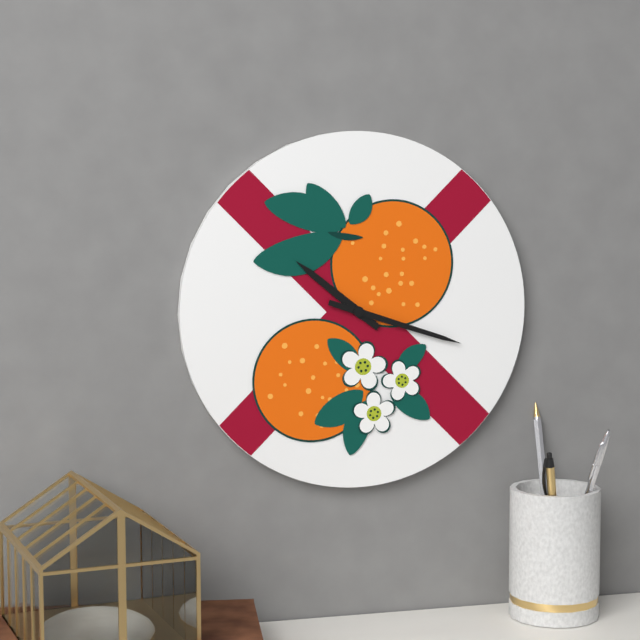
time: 10:18
